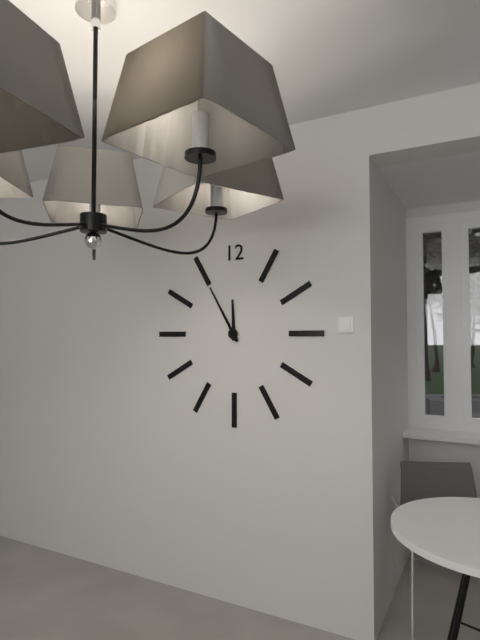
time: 11:55
